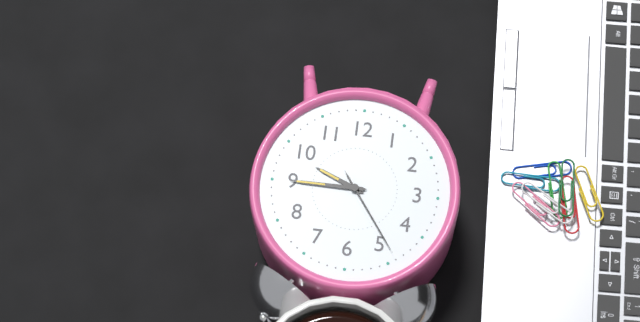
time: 9:45:24
